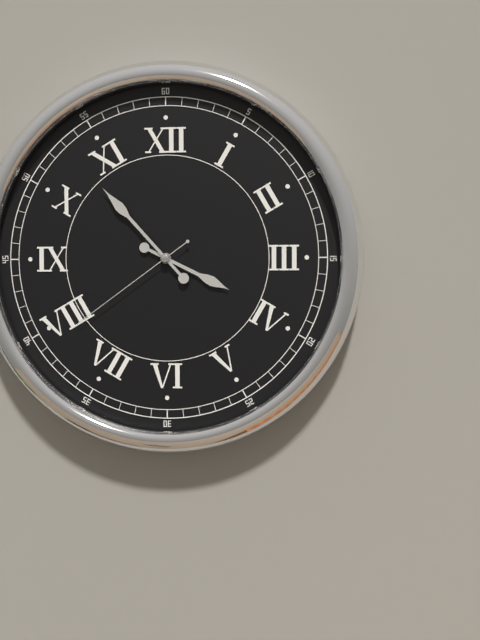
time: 3:53:39
